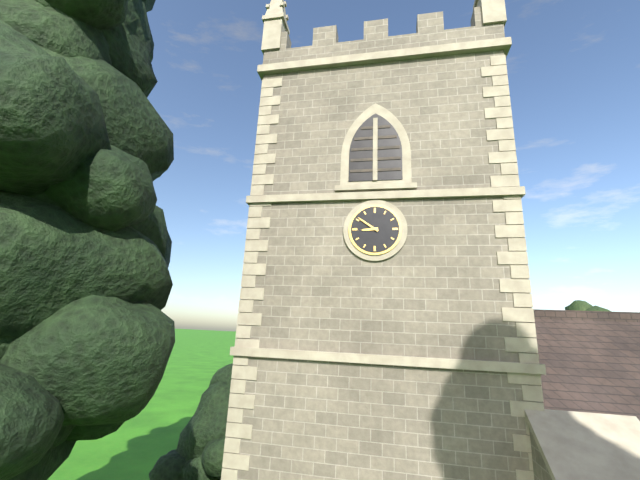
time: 8:51
